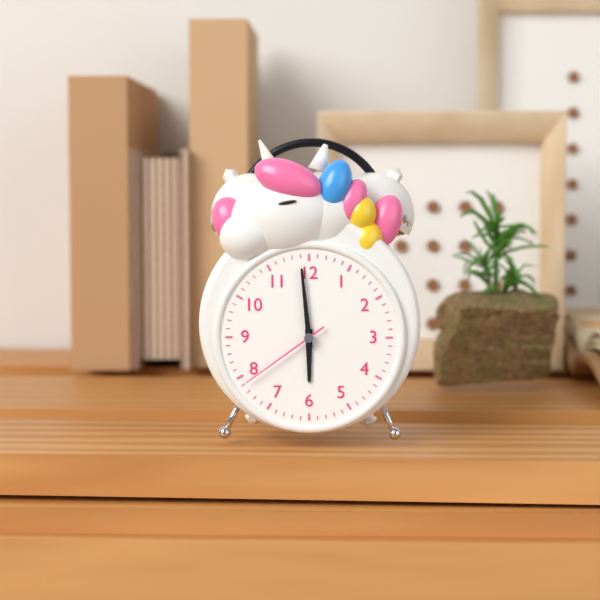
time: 5:59:39
